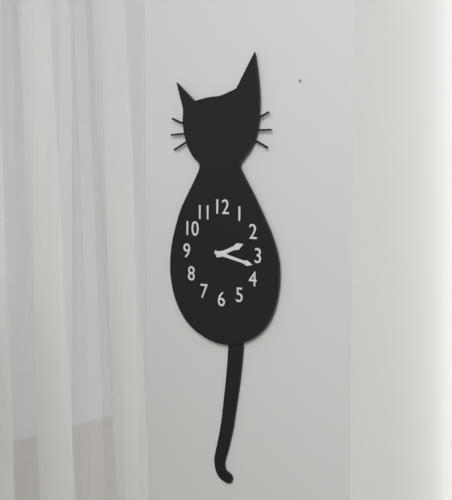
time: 2:17
